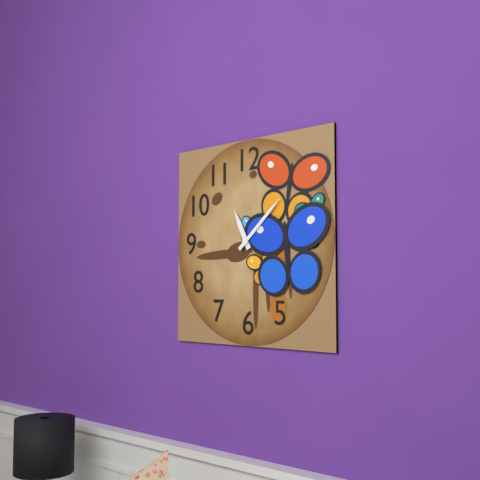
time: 11:08
